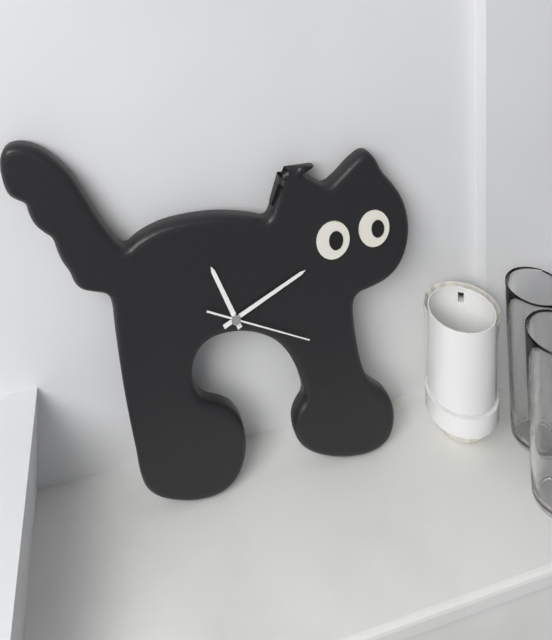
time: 11:11:19
